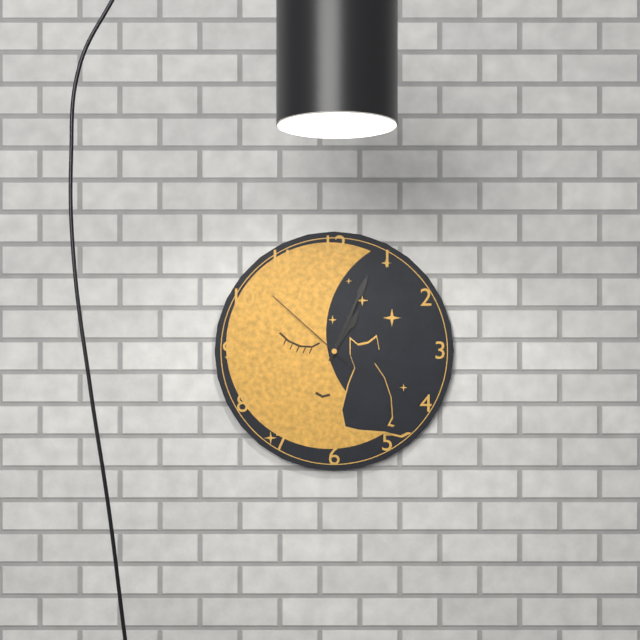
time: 1:04:52
